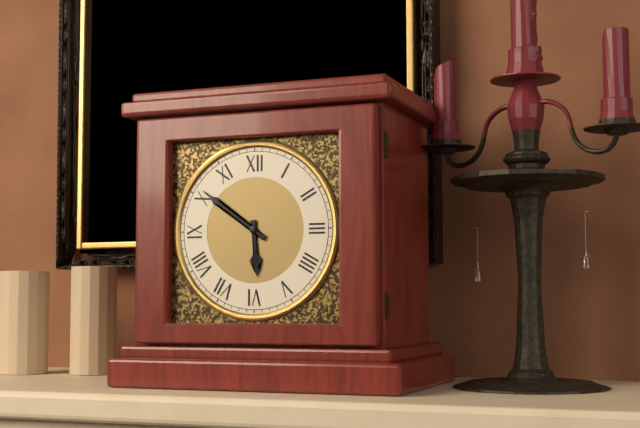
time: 5:51
